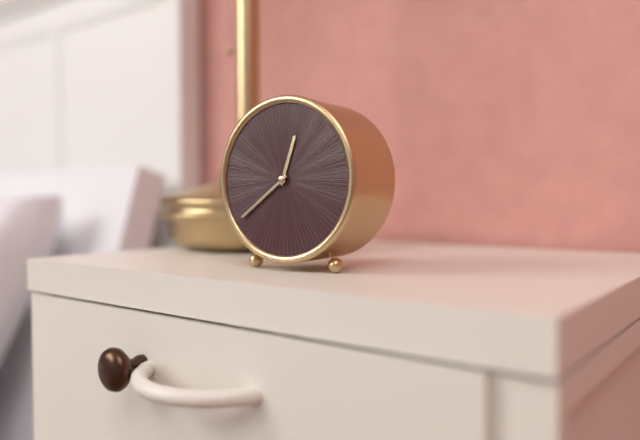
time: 12:39
